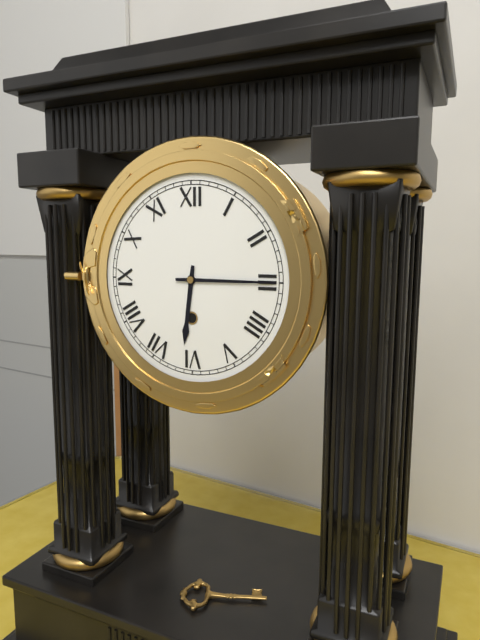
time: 6:15
